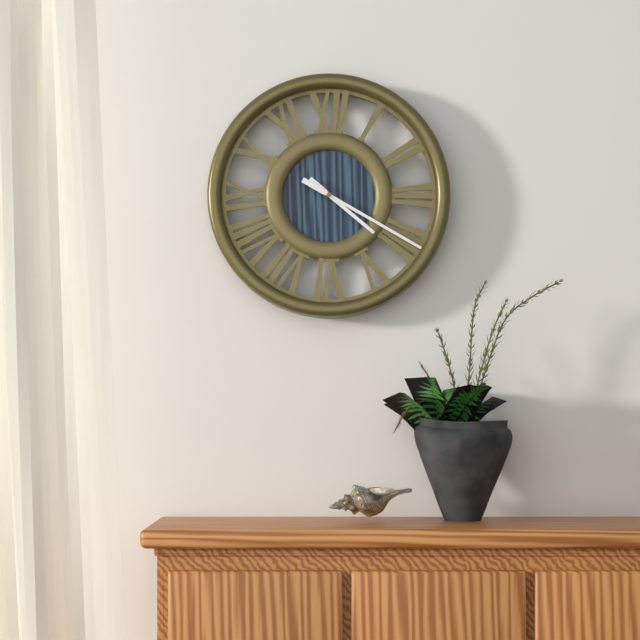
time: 4:20
